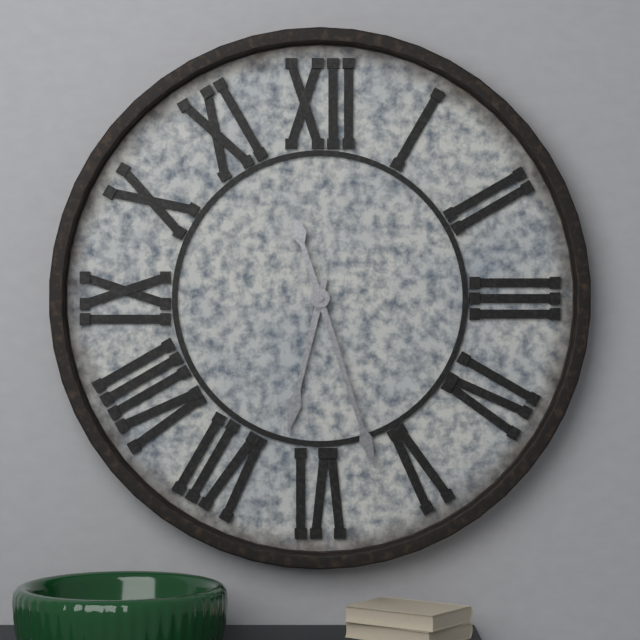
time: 6:27
